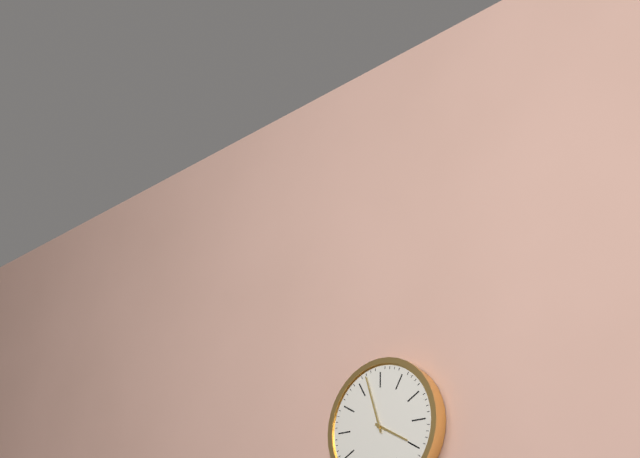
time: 3:57
